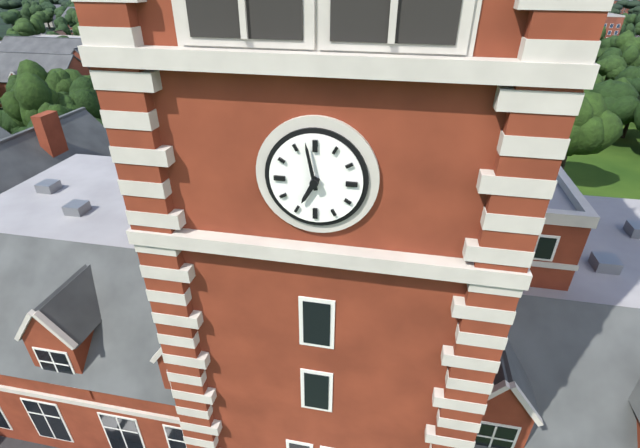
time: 6:58
